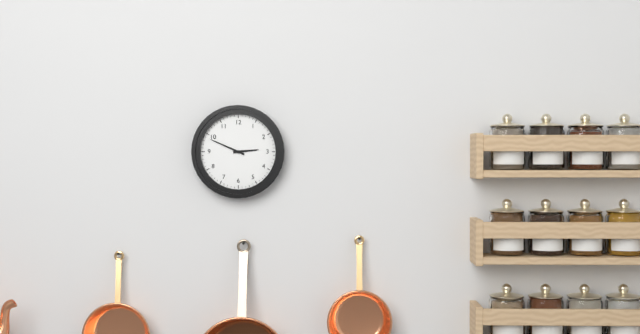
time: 2:49
